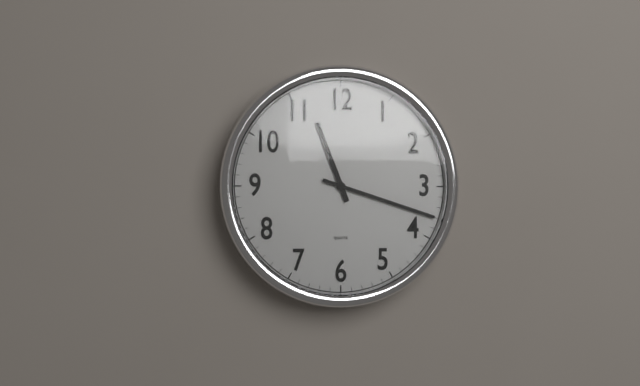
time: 11:18
